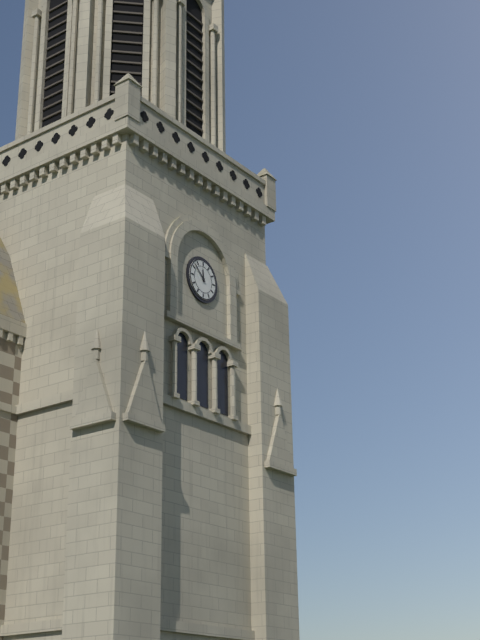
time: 11:52
